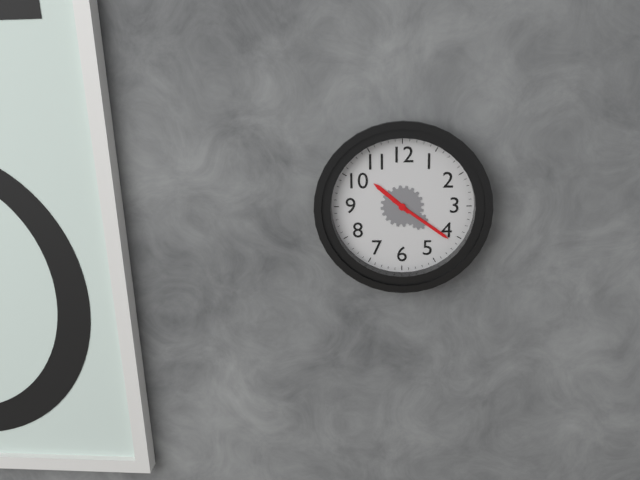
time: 10:21
